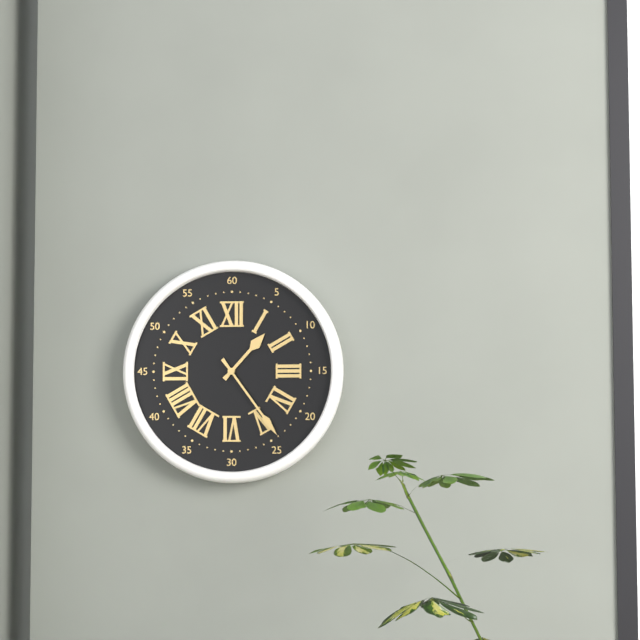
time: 1:24
